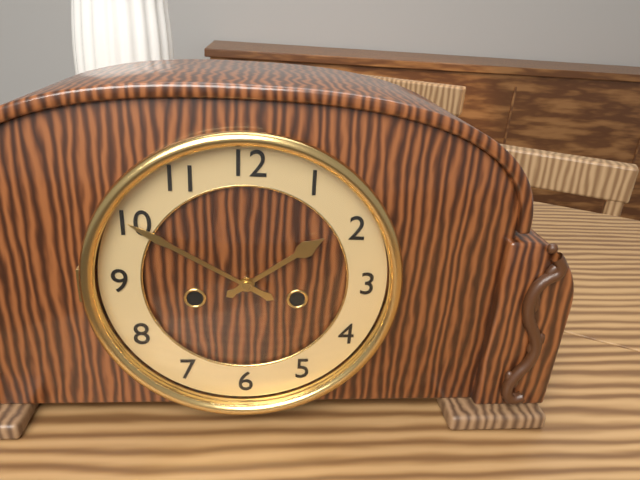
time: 1:50
